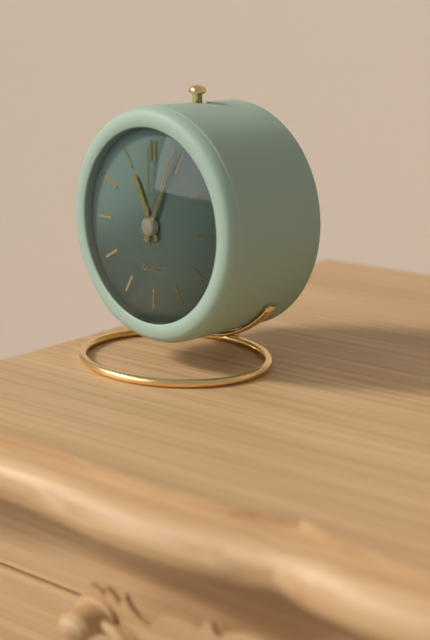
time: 11:04:00
